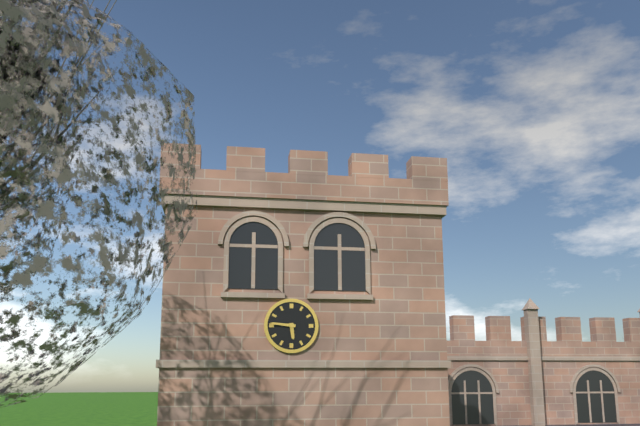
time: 5:46
